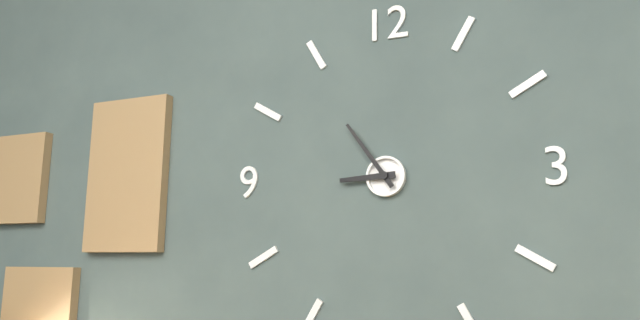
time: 8:54
